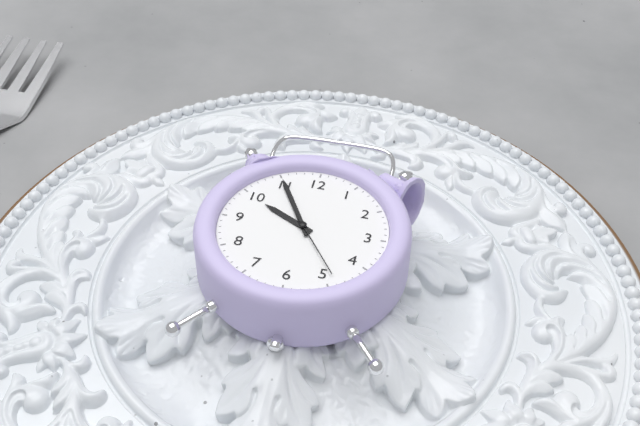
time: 9:55:24
